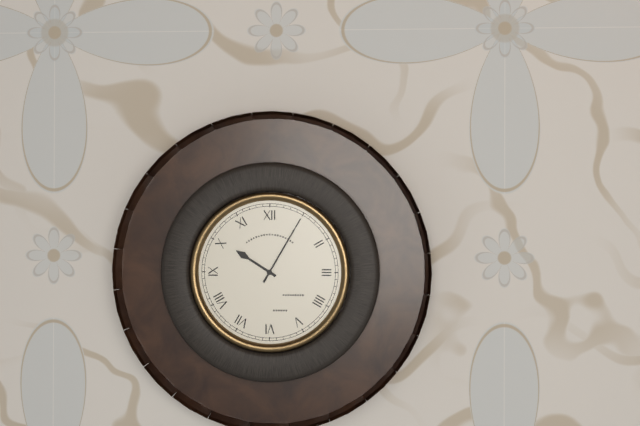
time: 10:05
